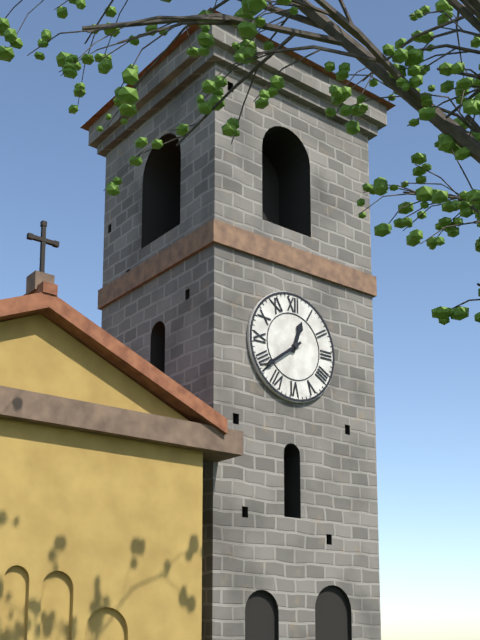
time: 12:39
